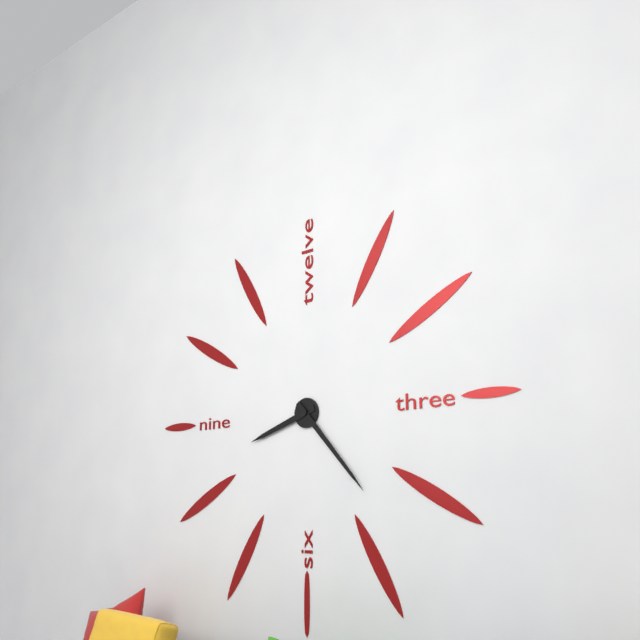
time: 8:23
